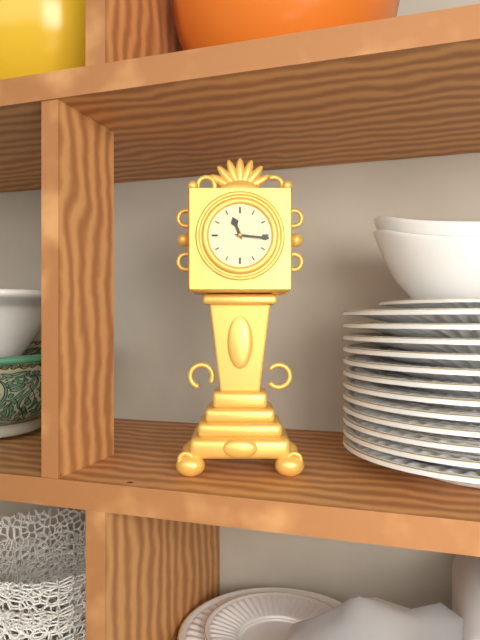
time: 11:16
